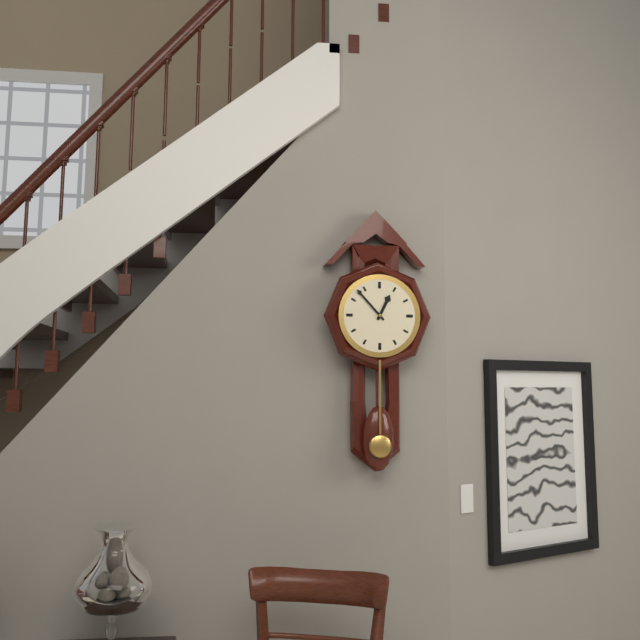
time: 12:53
